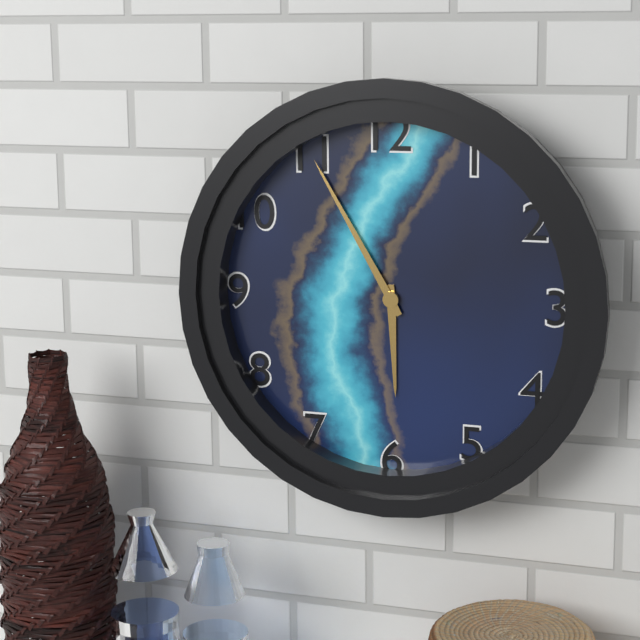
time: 5:55
